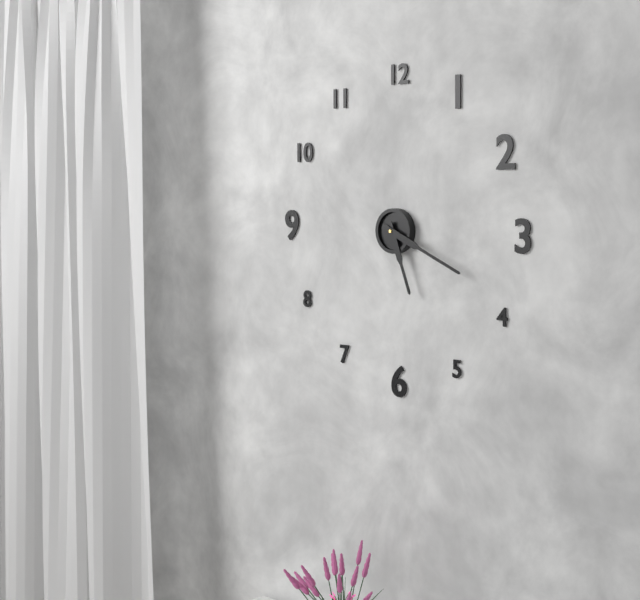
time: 5:19
